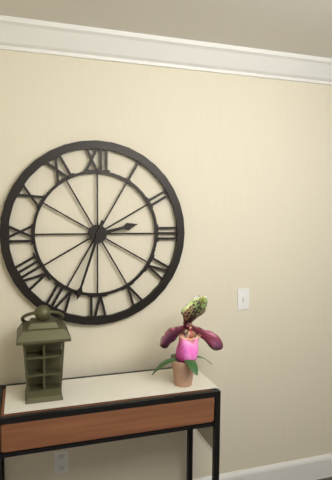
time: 2:33
